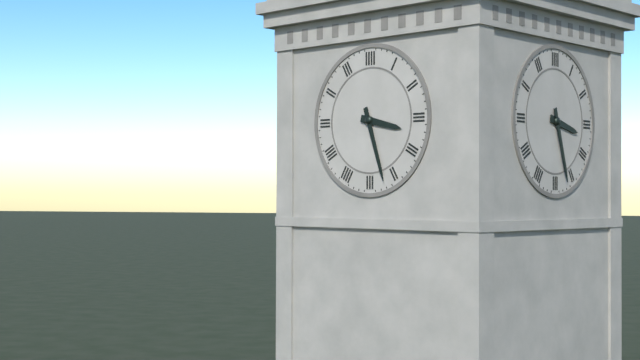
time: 3:27
